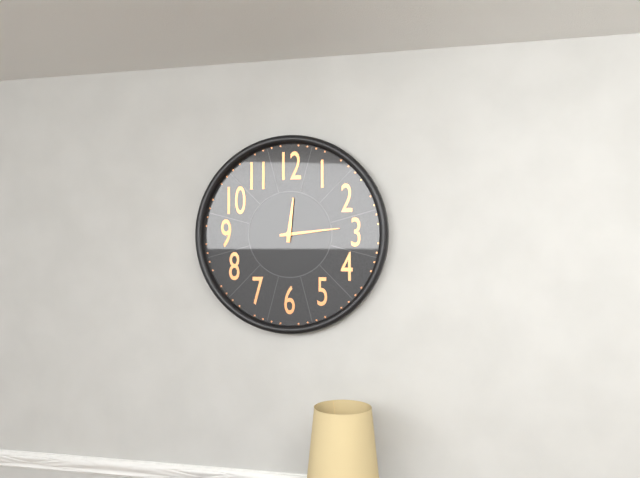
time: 12:14
